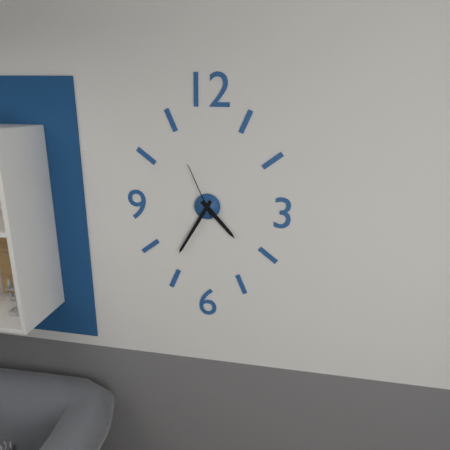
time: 4:35:56
